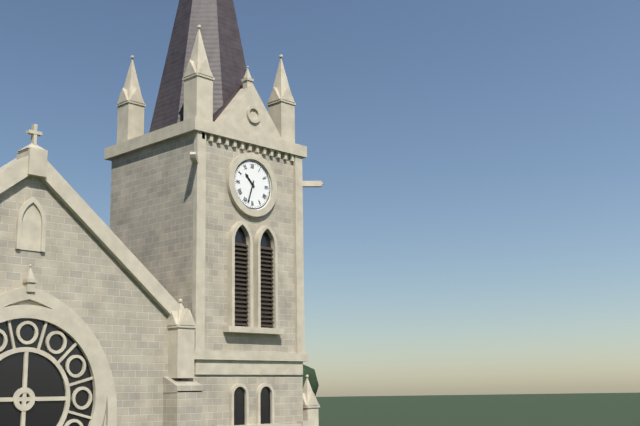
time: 10:33
